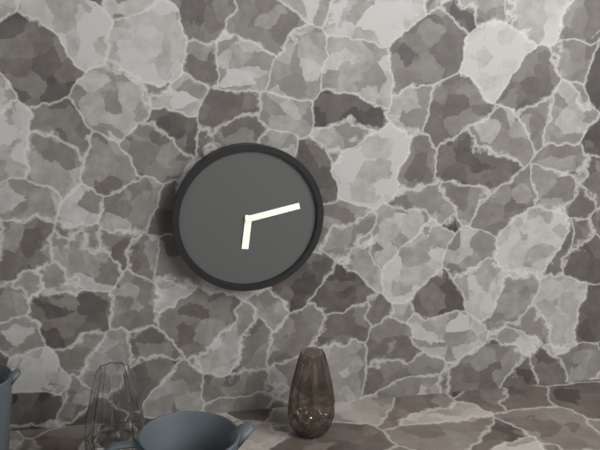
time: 6:13
